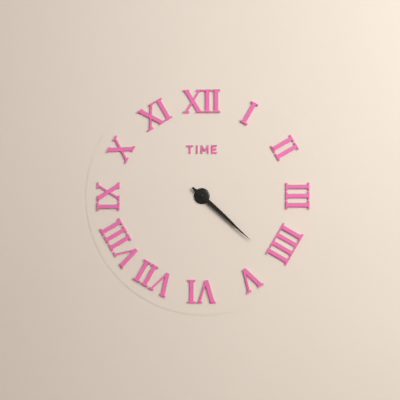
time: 4:22
